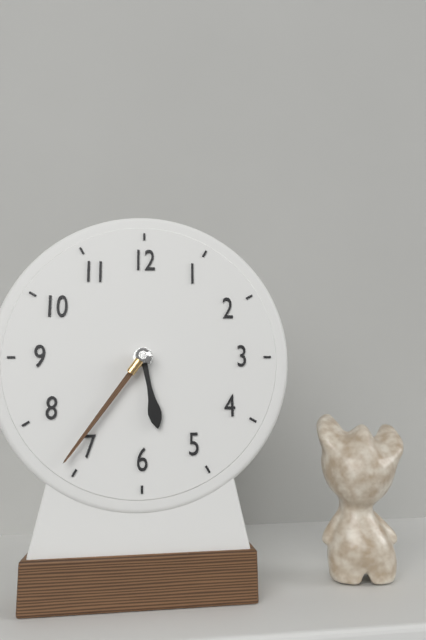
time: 5:36
